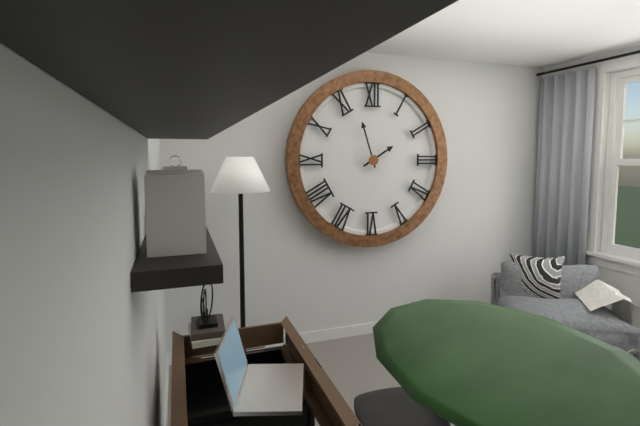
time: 1:57
